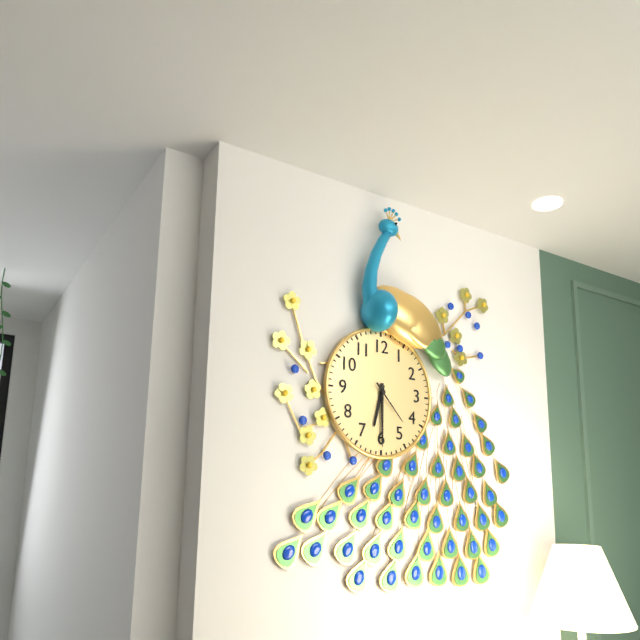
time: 6:30
